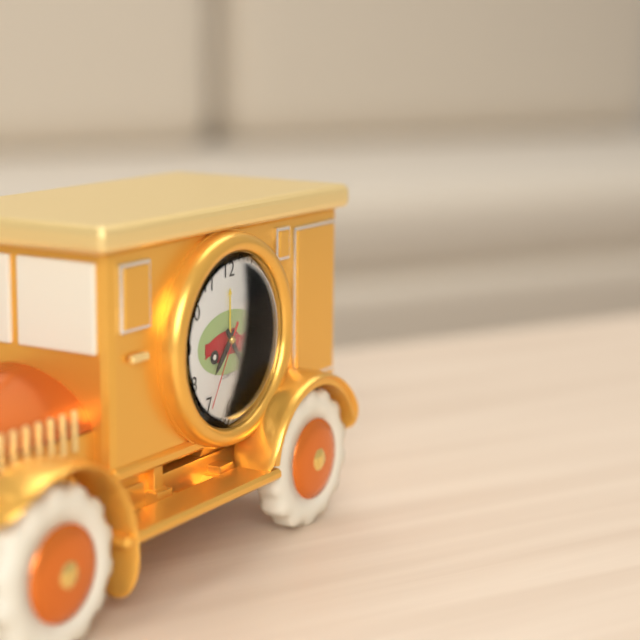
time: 7:24:35
